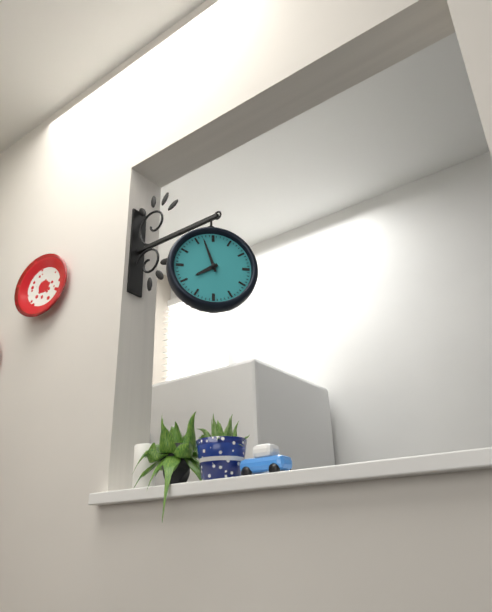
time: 7:57
